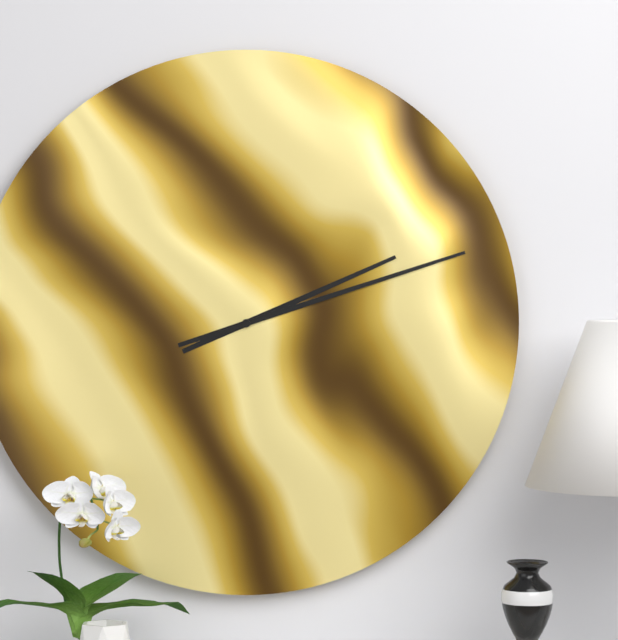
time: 2:12
